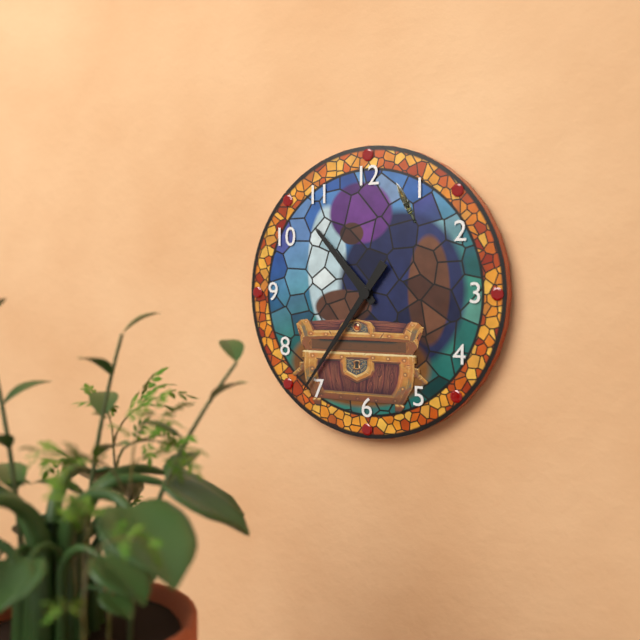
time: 10:36
